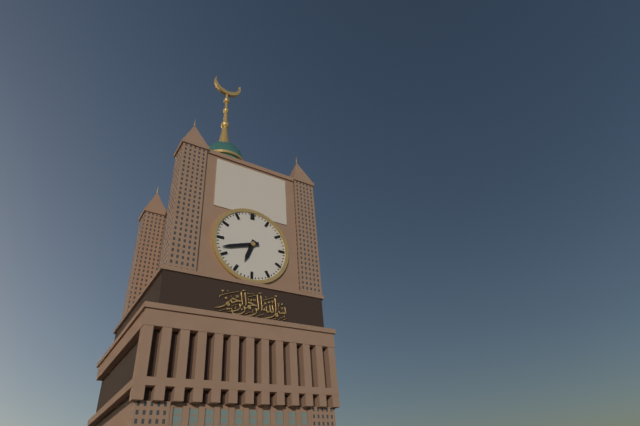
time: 6:42
